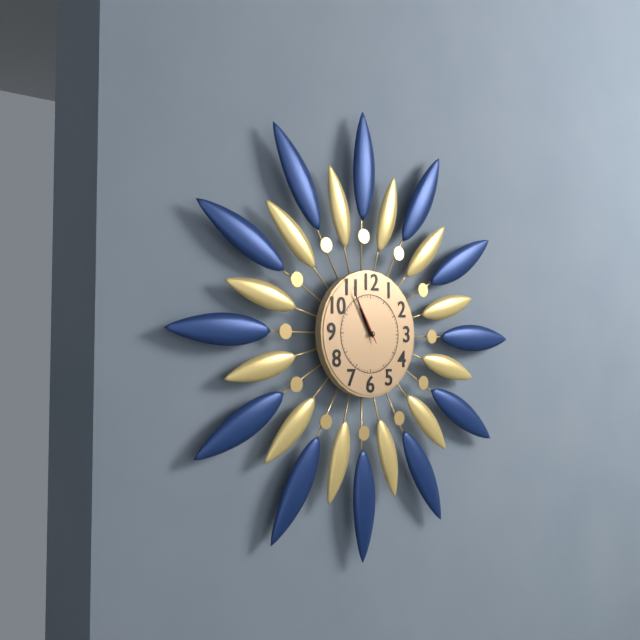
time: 10:55:55
